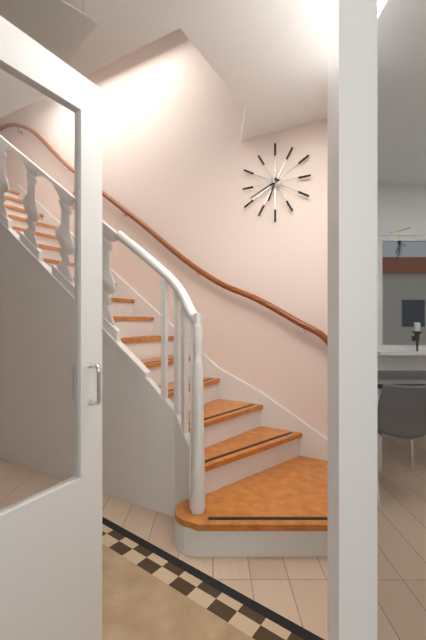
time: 6:41
